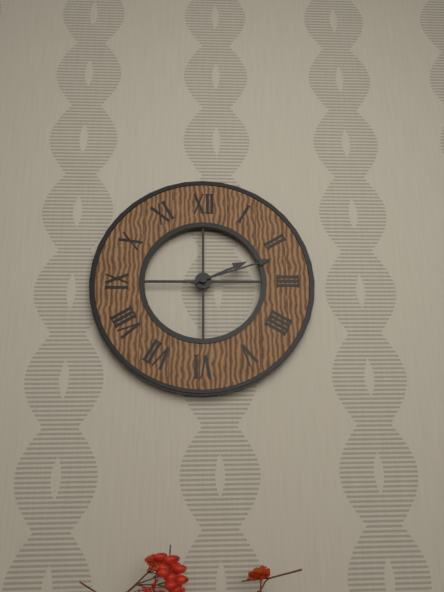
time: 2:12
